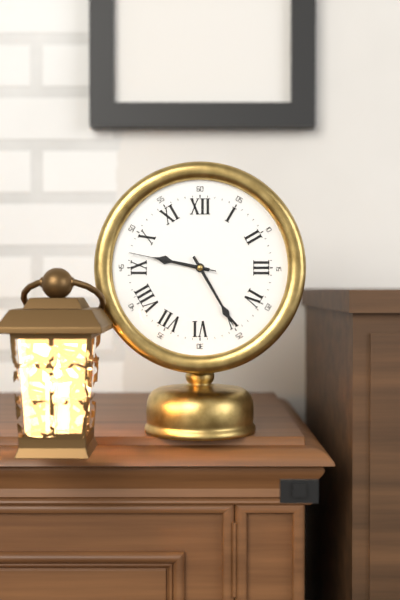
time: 9:25:47
